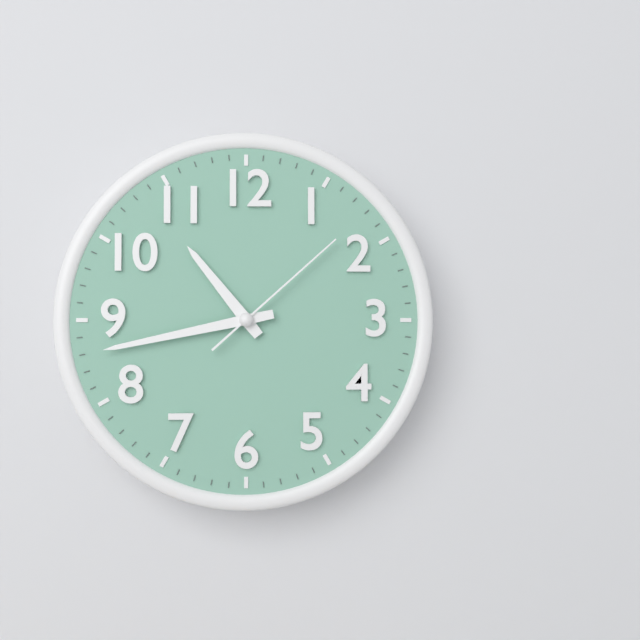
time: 10:43:08
